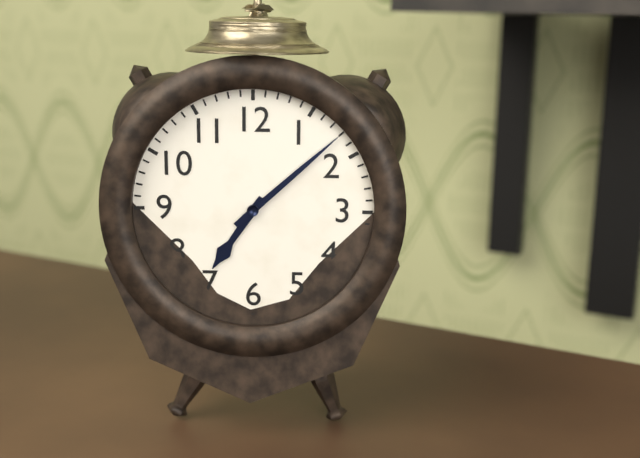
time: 7:08
